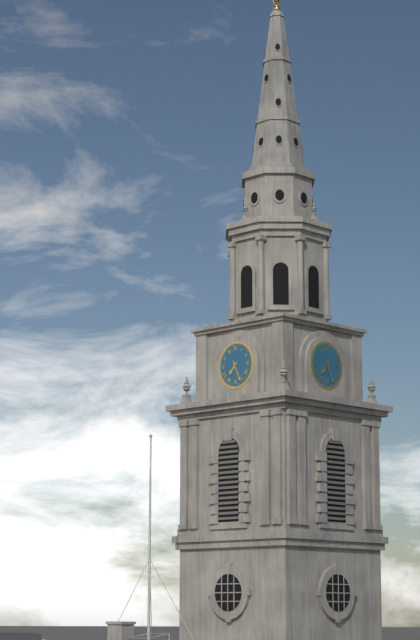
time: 7:26
